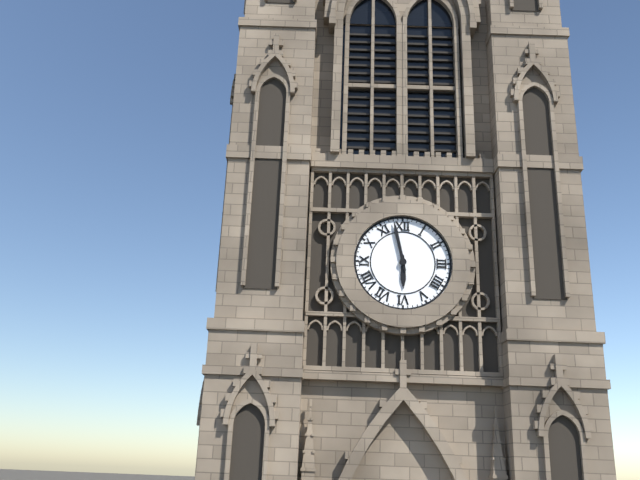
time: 5:58
